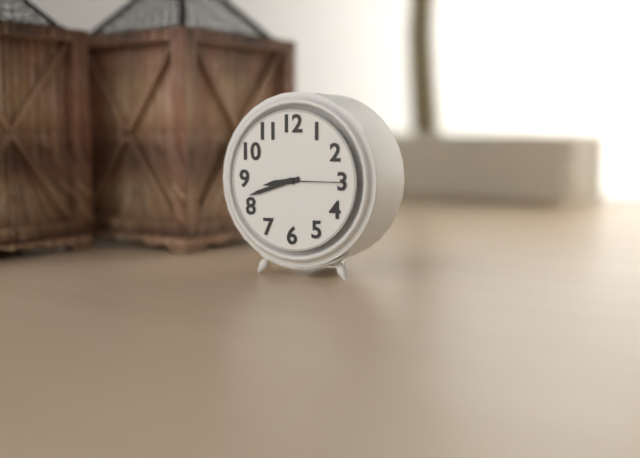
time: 8:42:15
